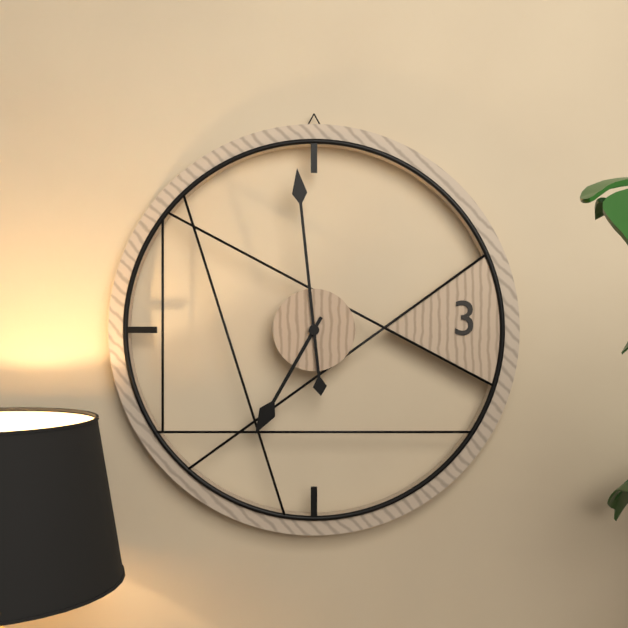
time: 6:59
